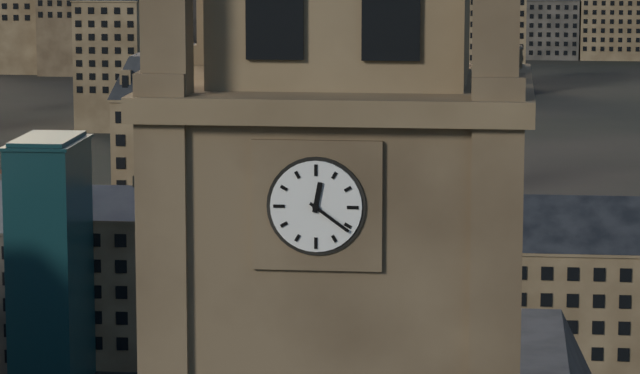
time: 12:21
